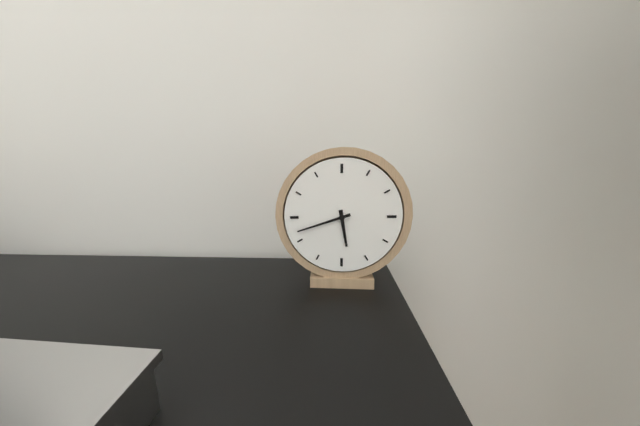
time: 5:42
